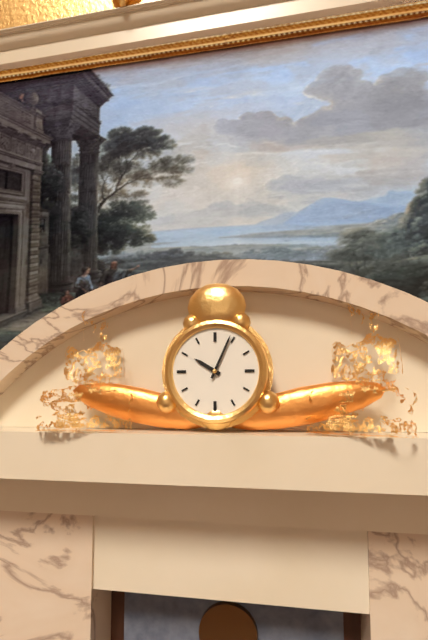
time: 10:04
